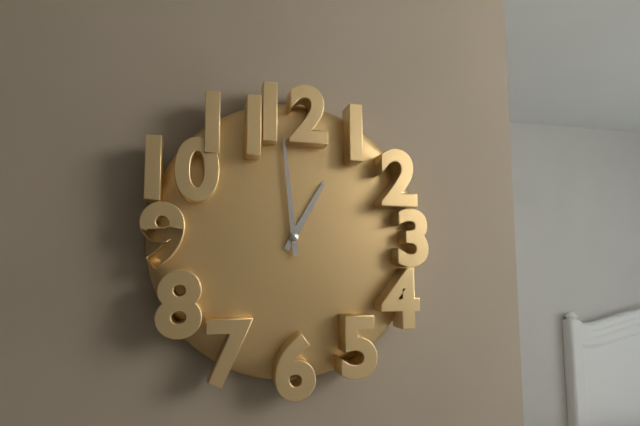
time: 12:59
